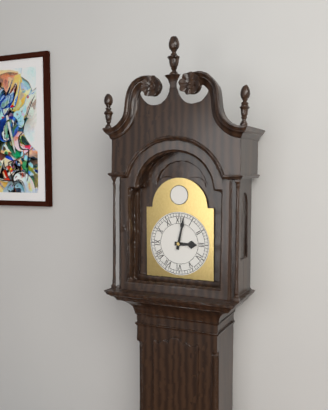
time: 3:02
